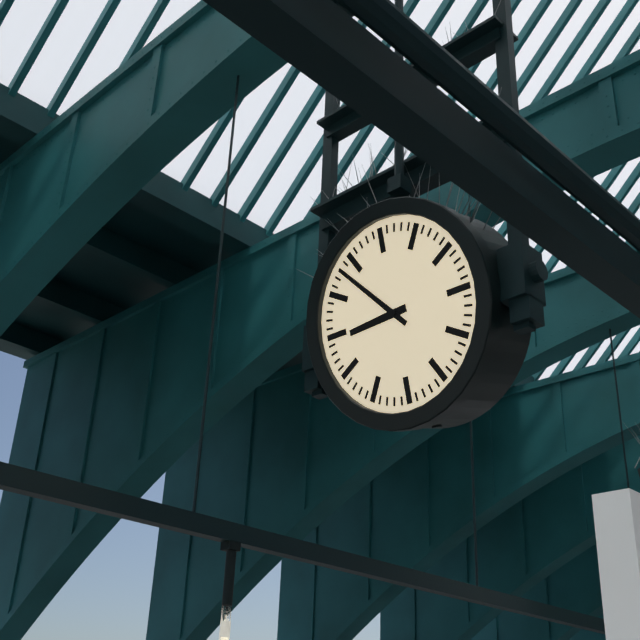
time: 8:53
